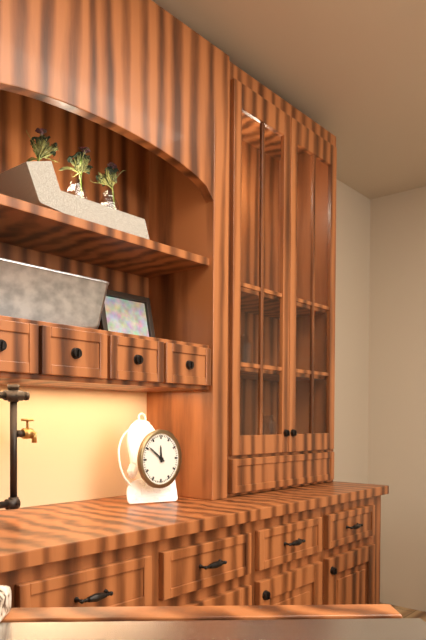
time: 11:51
